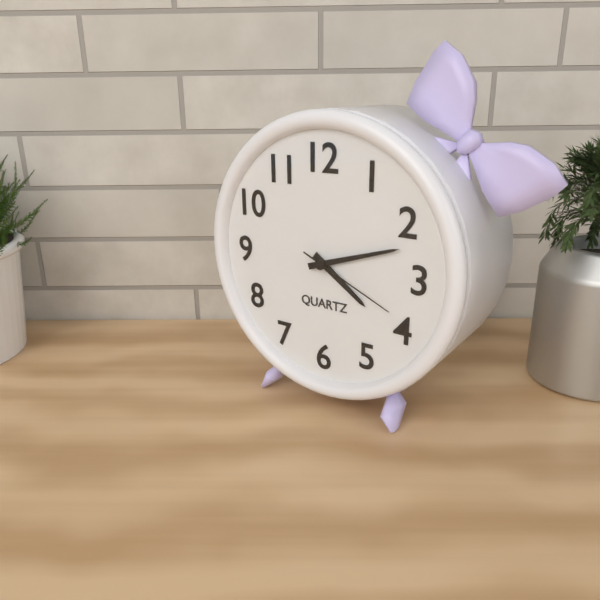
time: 4:12:19
